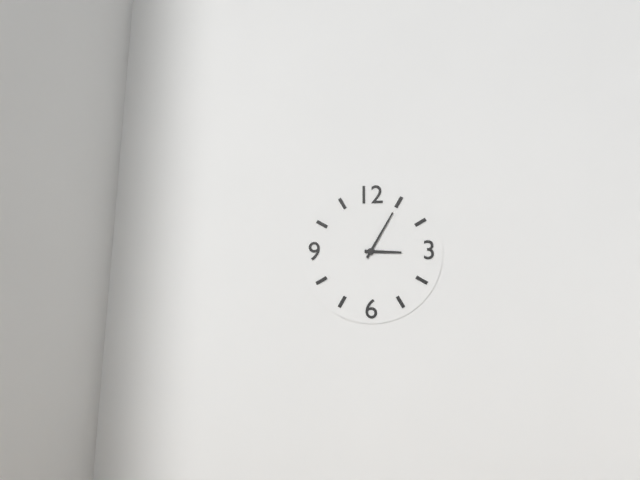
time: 3:05
